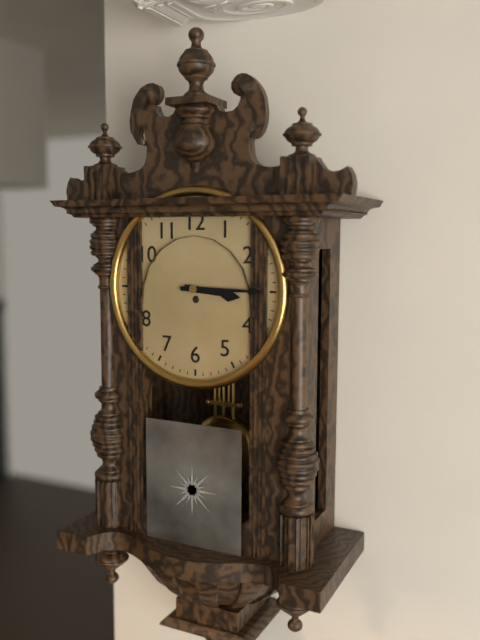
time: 3:15
